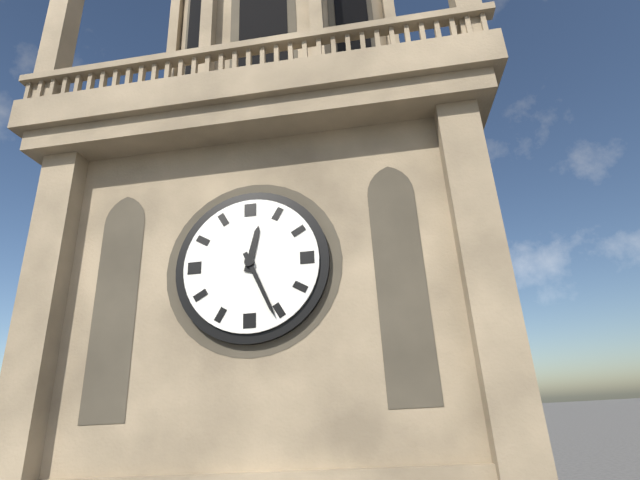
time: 12:26
